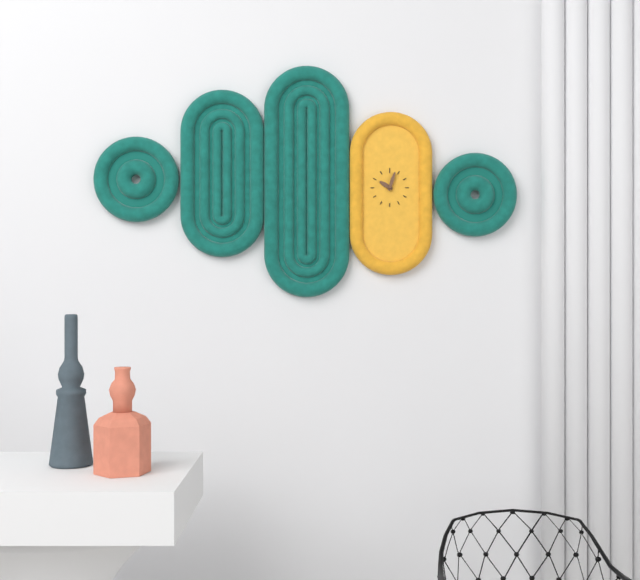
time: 10:03
